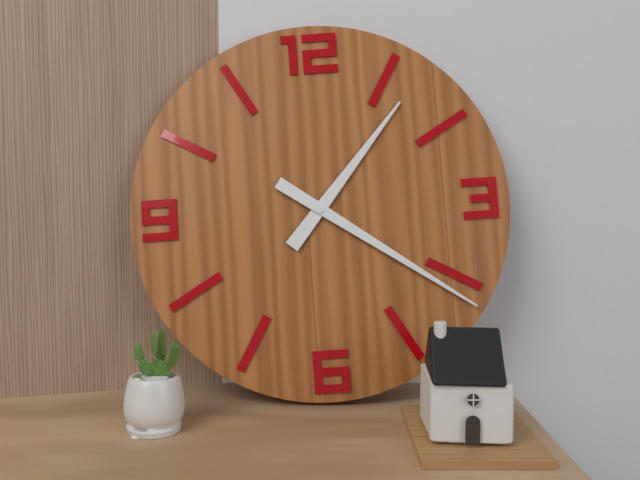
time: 1:21
